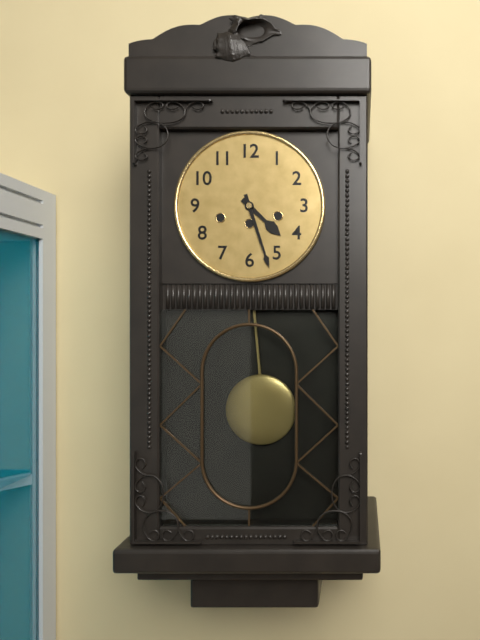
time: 4:27
